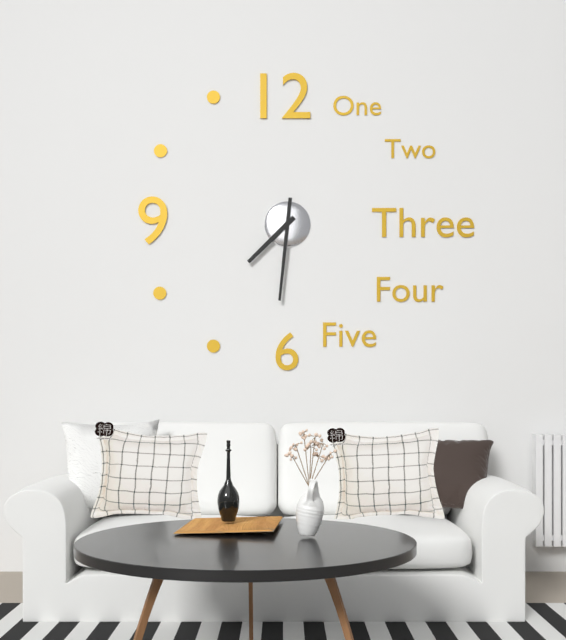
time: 7:31
